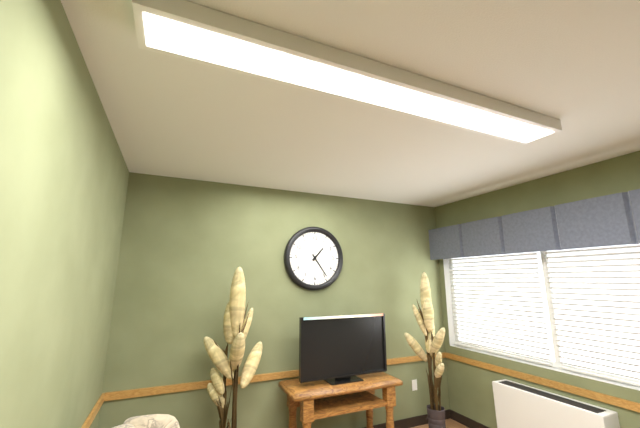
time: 1:24
